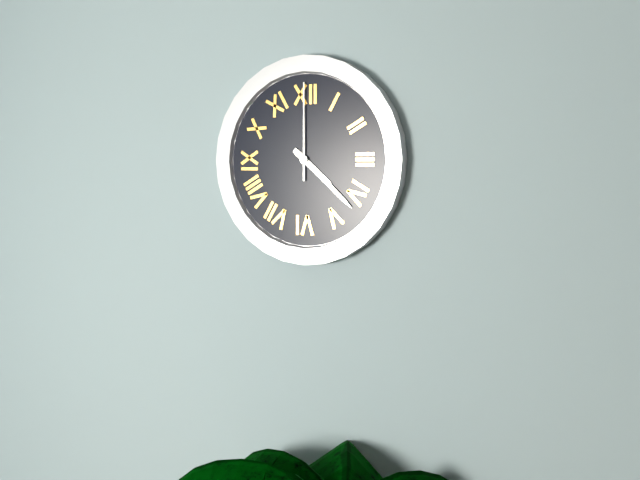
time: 4:22:00
